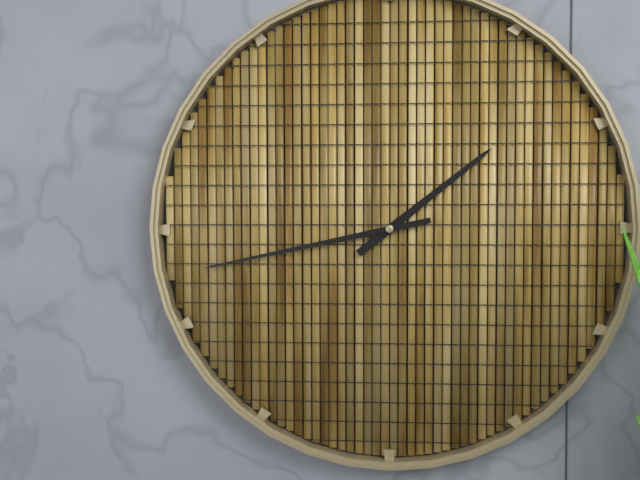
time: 1:43
